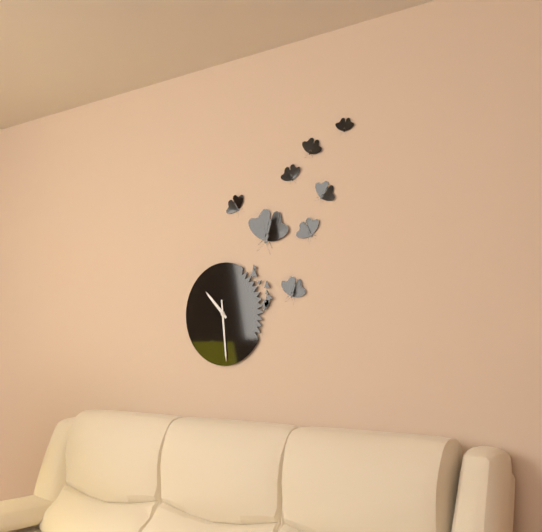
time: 10:29
